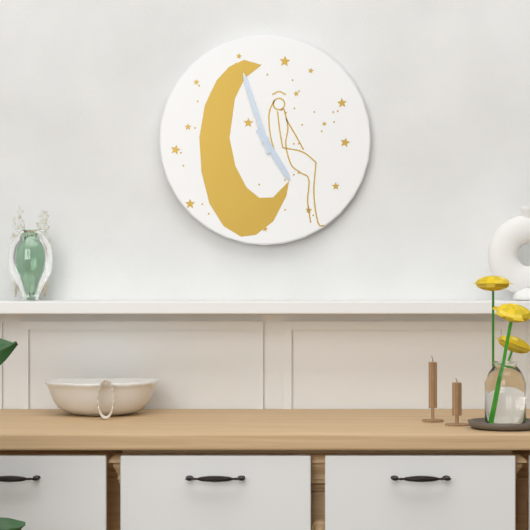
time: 4:57
